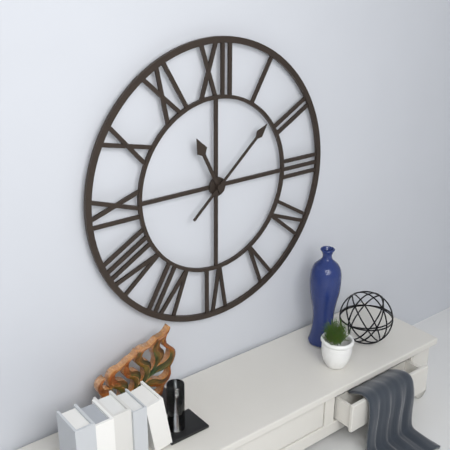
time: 11:08
